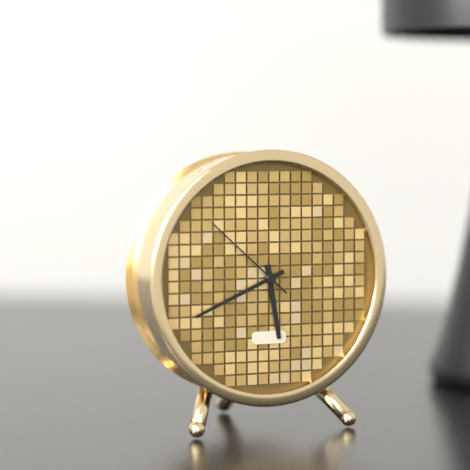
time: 5:41:52
